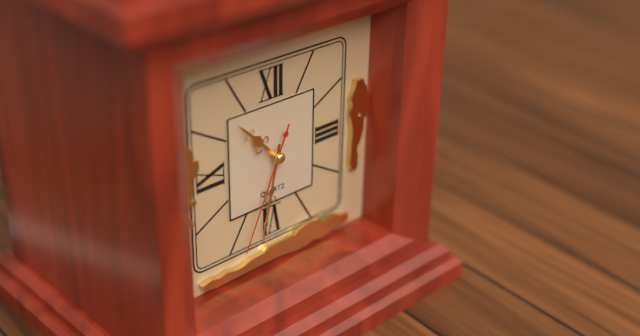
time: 10:32:34
